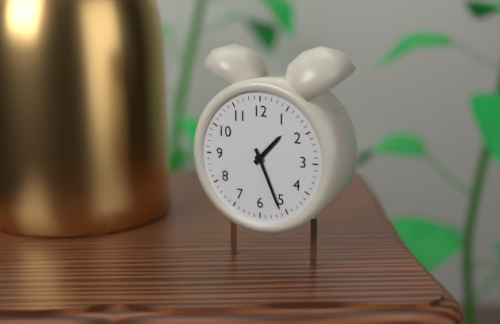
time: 1:26
